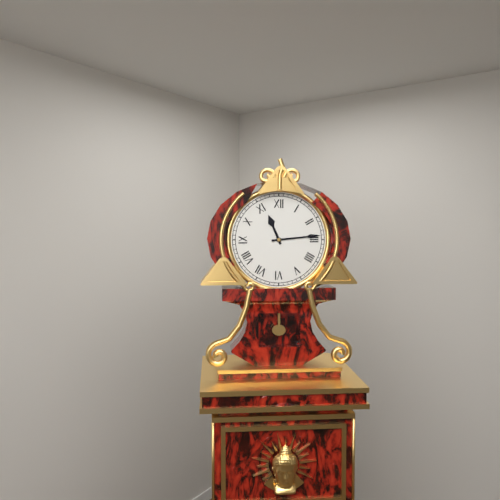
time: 11:14
